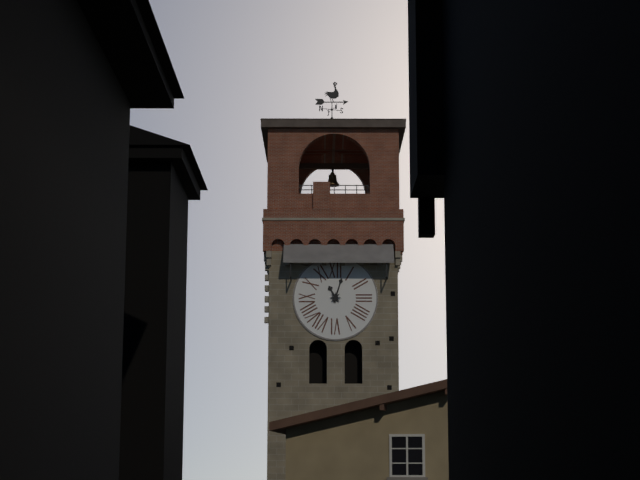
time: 11:03
